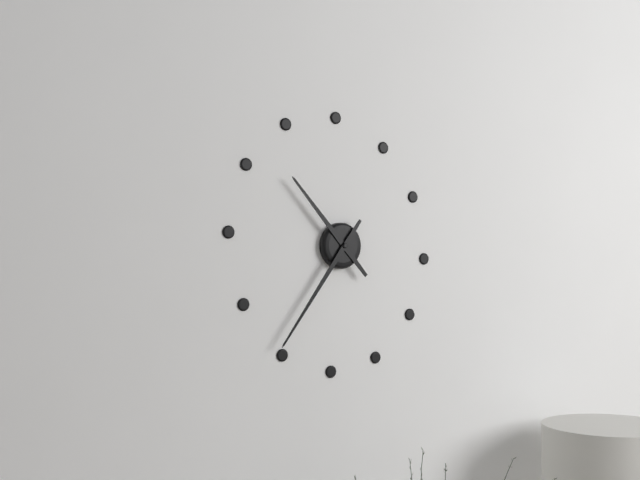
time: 10:36
